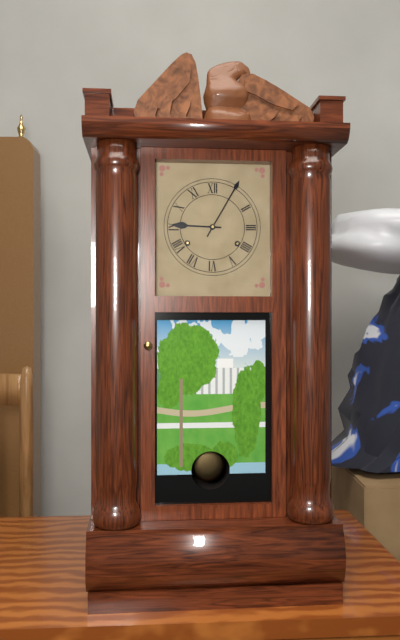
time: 9:05
